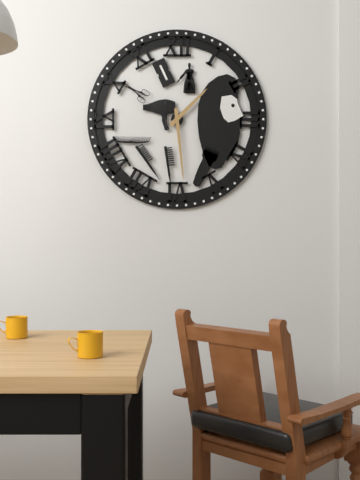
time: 1:29
